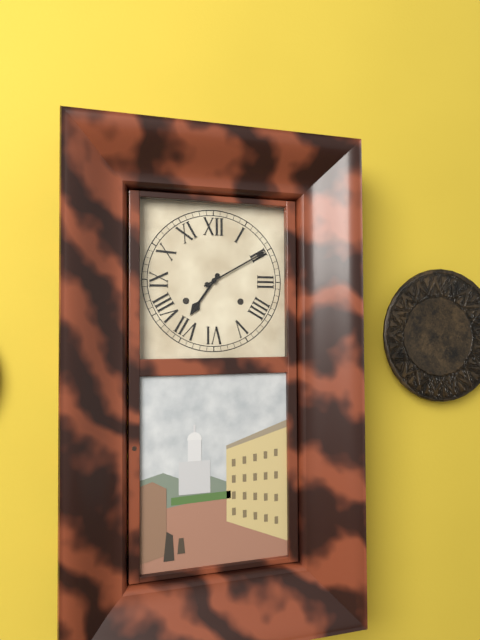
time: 7:10
